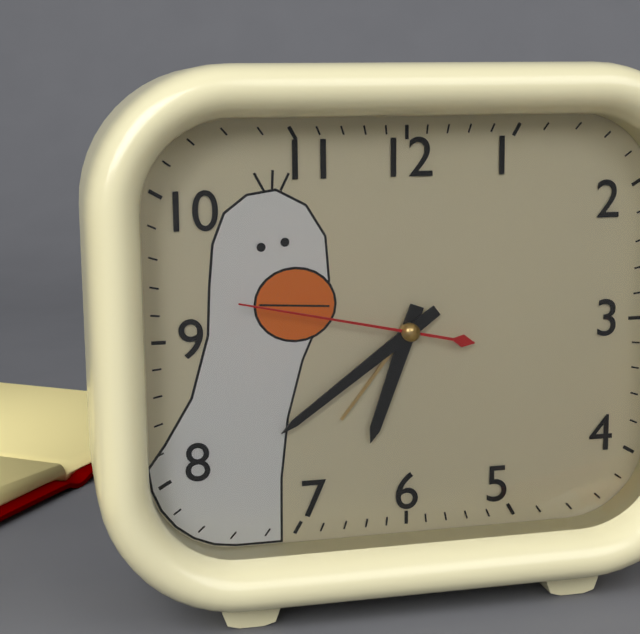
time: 6:39:47
